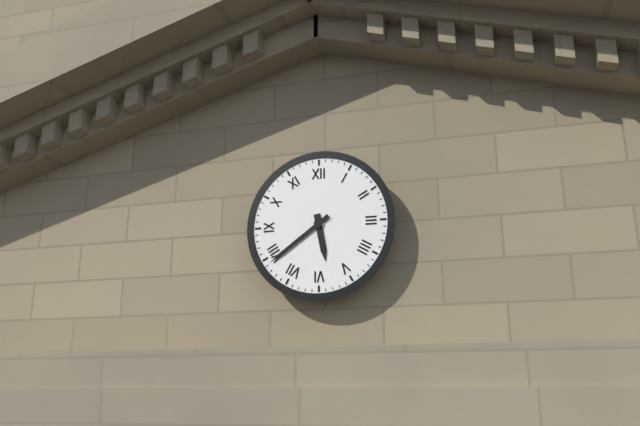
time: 5:39
